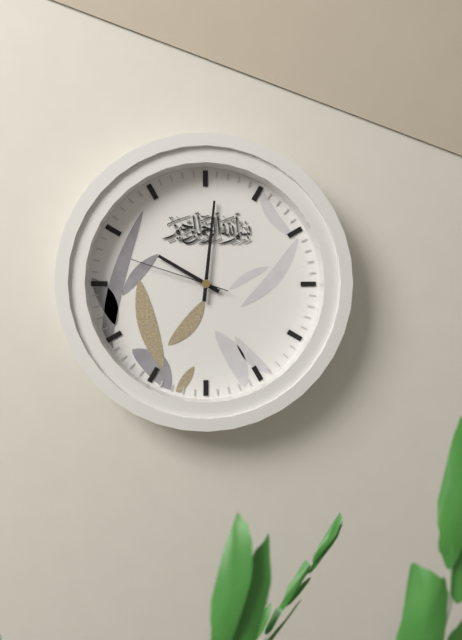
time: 10:01:48
